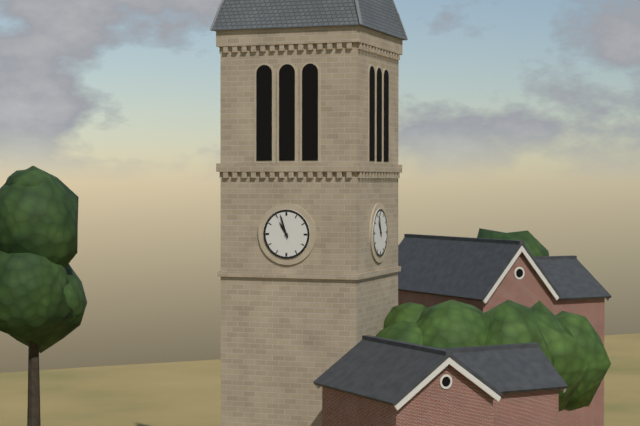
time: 10:57
